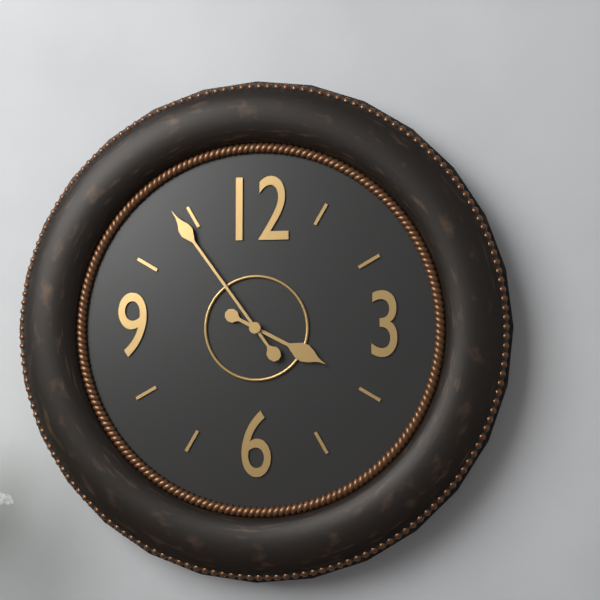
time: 3:54
